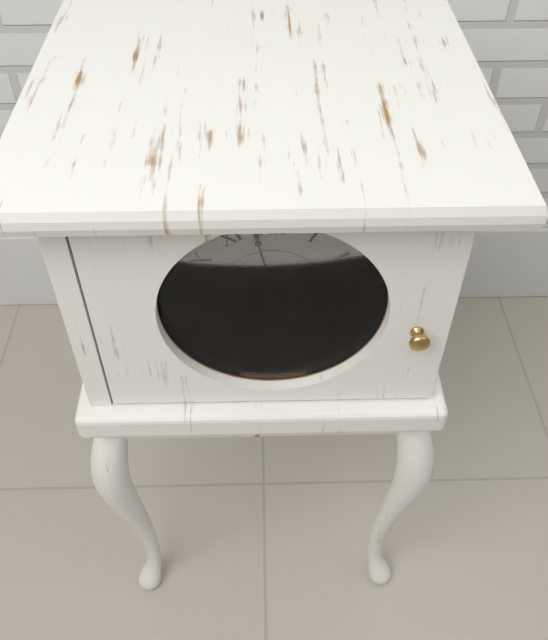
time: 1:58:35
